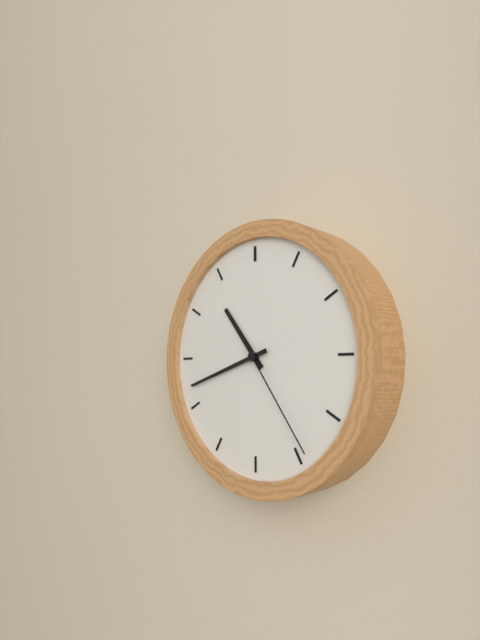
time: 10:42:24
